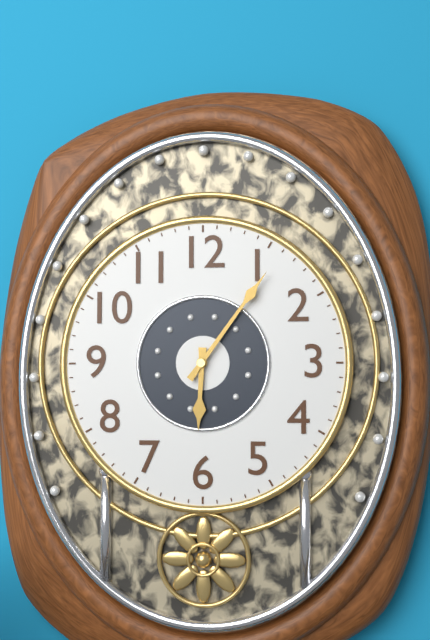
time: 6:06
